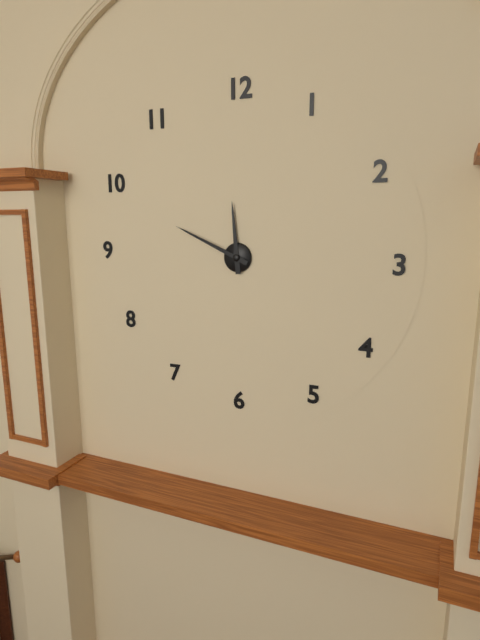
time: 11:49
